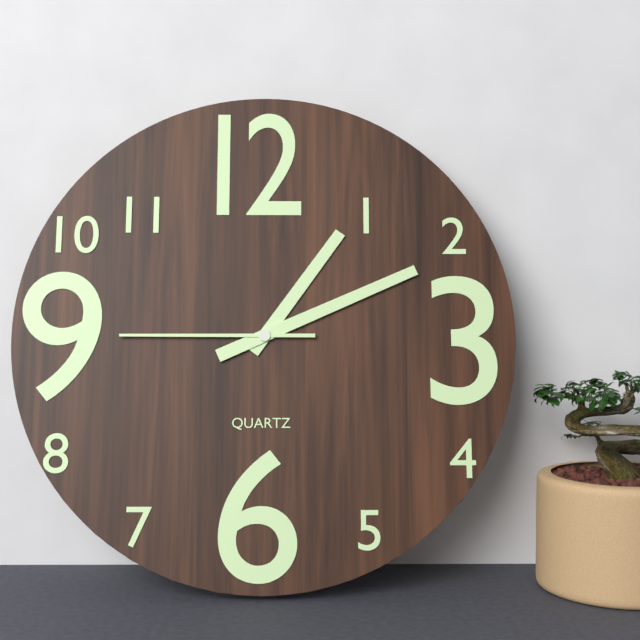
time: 1:11:45
